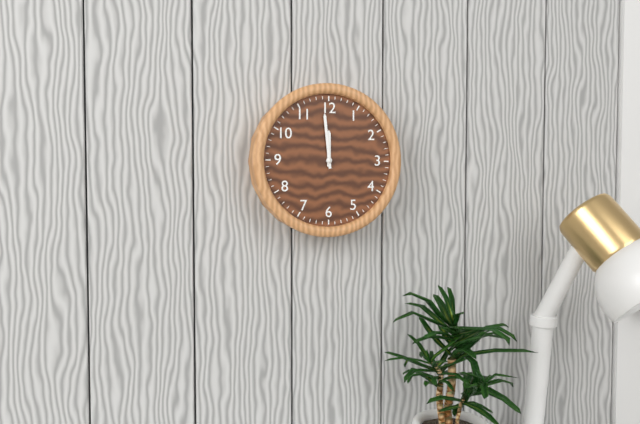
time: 11:59
